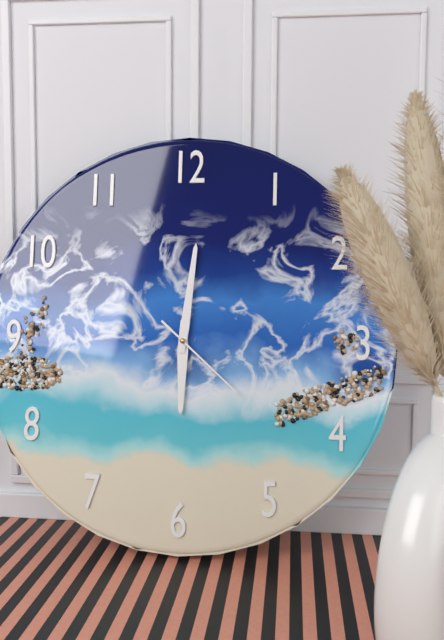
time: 6:01:22
